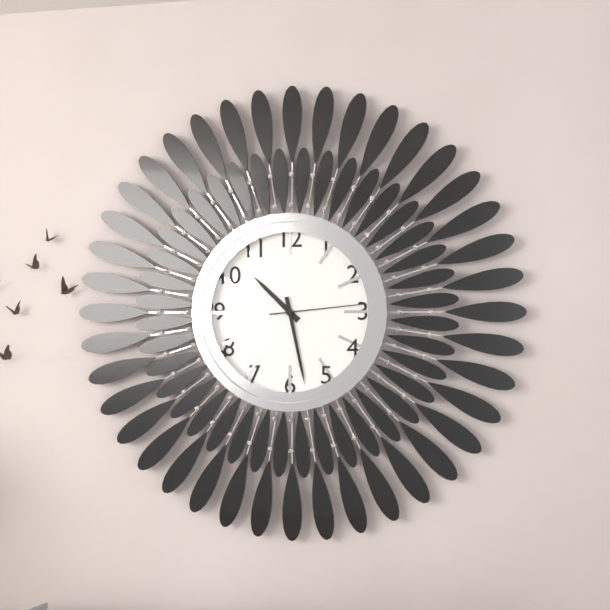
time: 10:28:14
